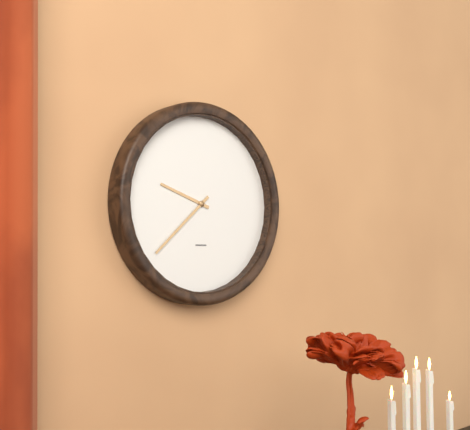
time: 9:38
